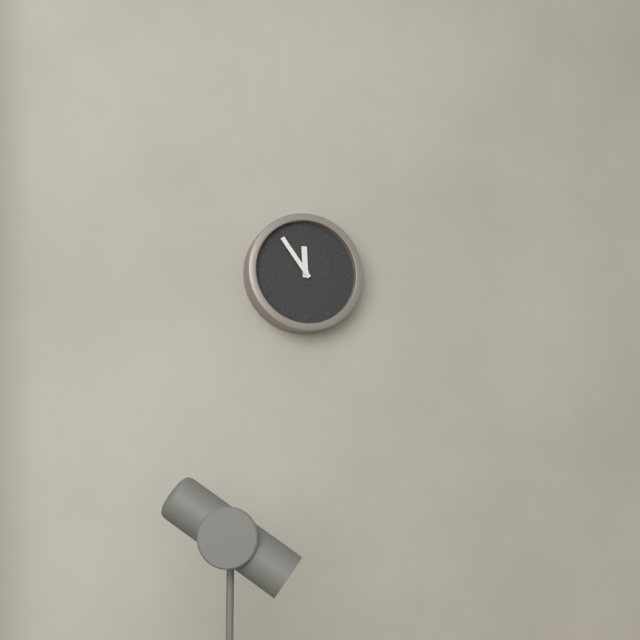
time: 11:54
